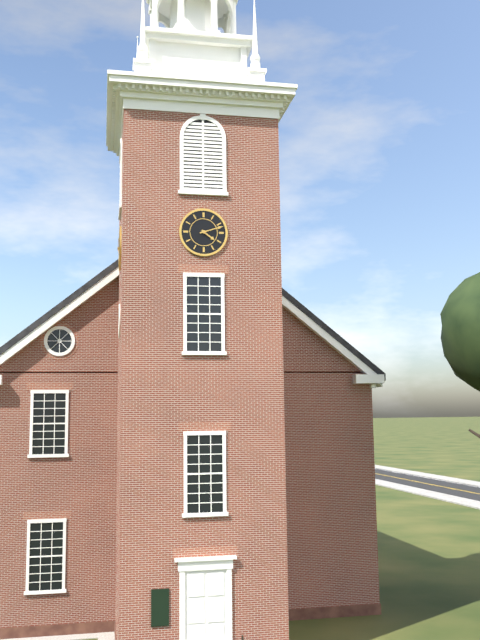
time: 4:12
